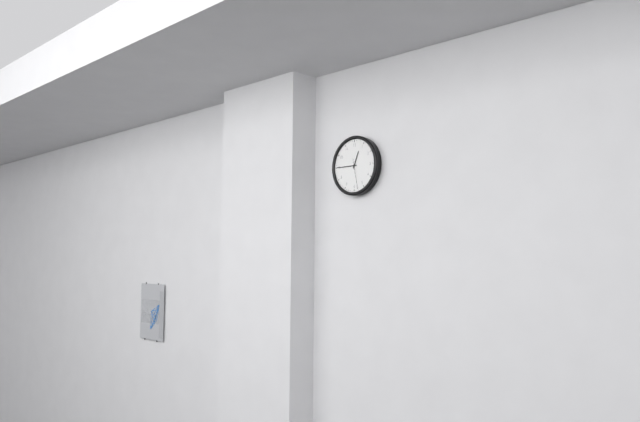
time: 12:45
